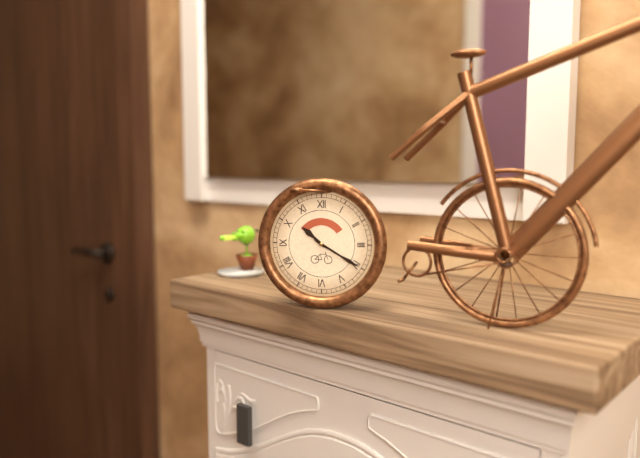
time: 10:20
